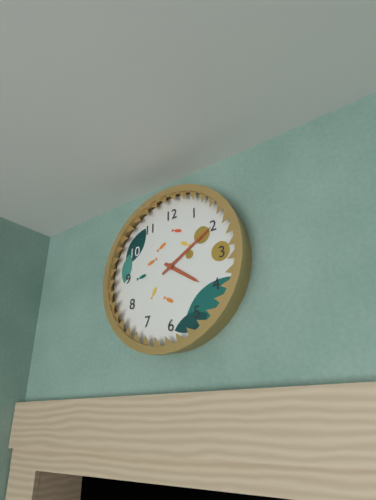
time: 4:10
